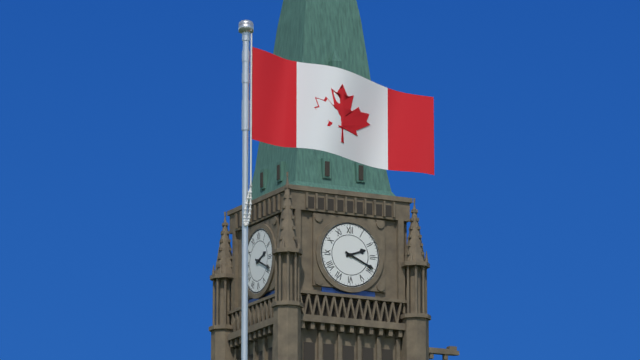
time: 2:19
